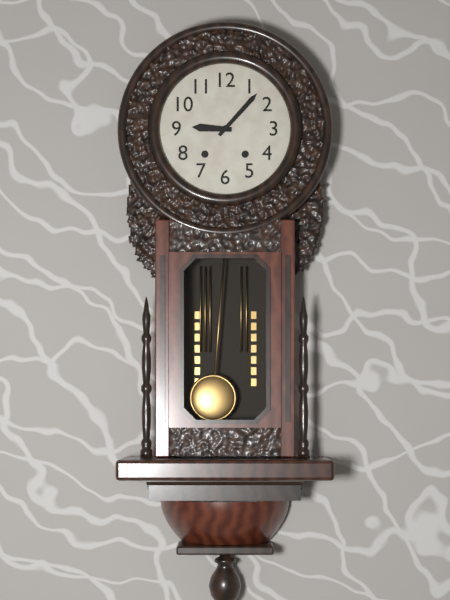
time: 9:07
